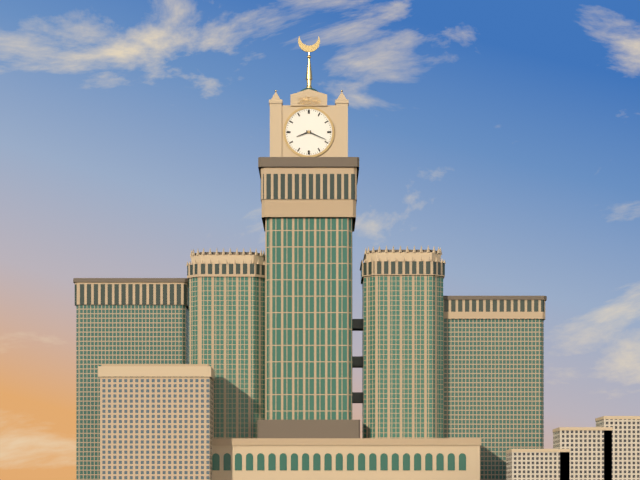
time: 8:19
